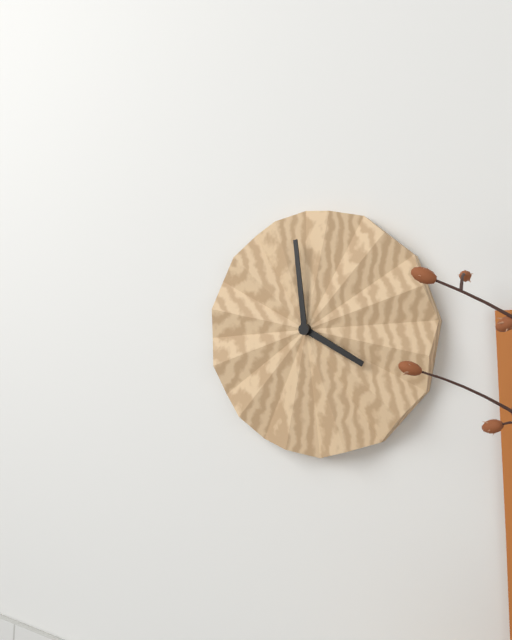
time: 3:59
